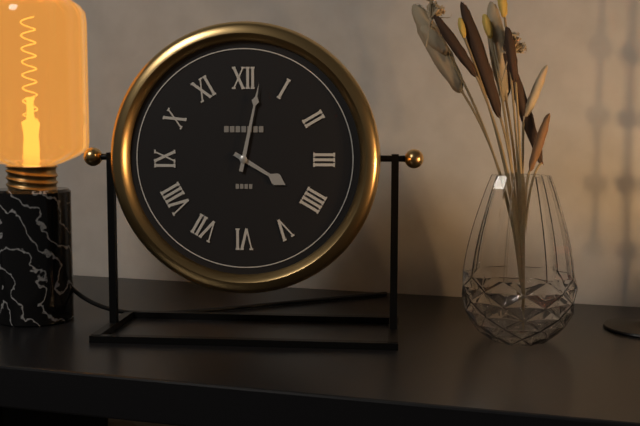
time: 4:02
